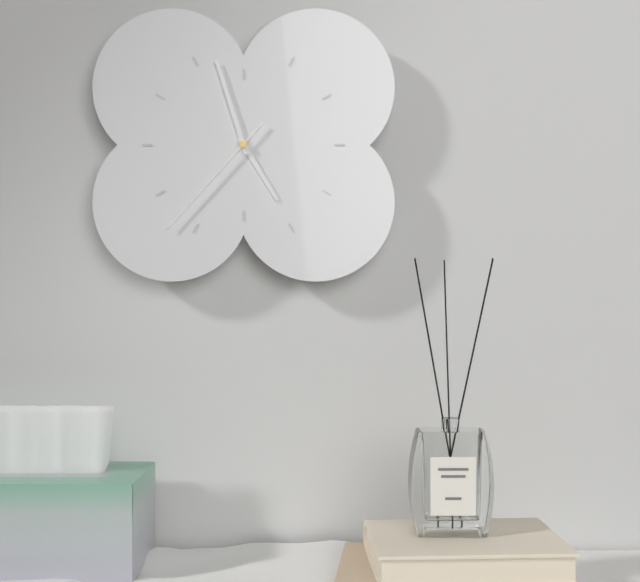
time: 4:57:37
